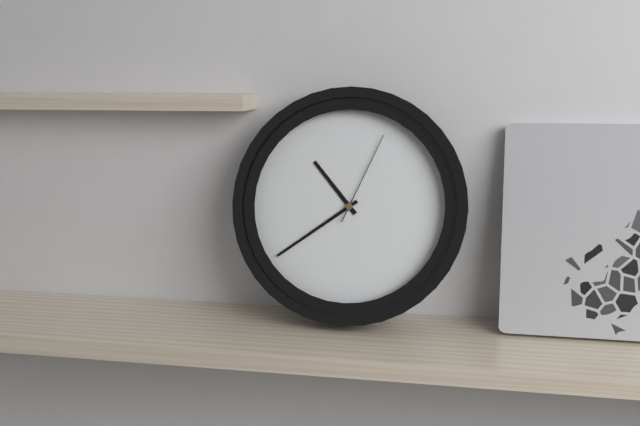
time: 10:39:04
